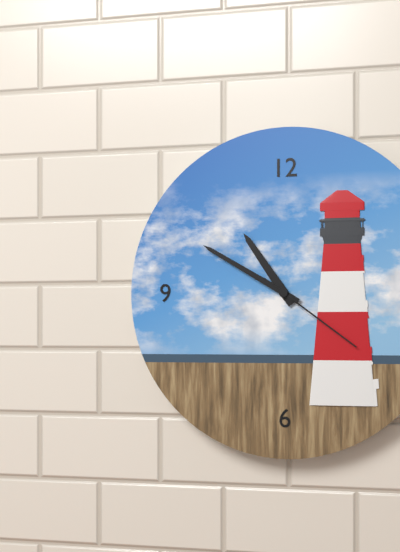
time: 10:50:21
